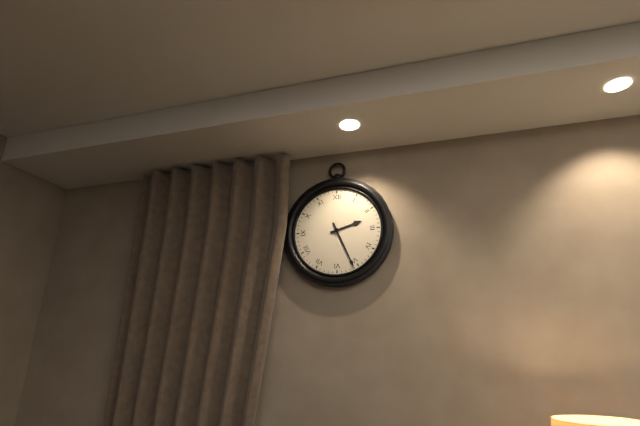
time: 2:26
